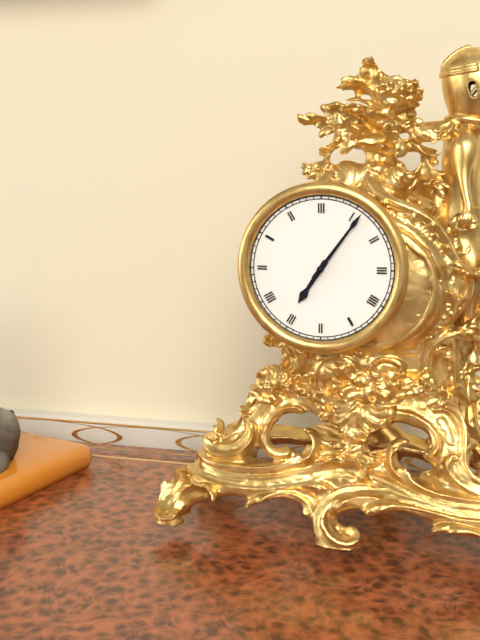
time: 7:06
